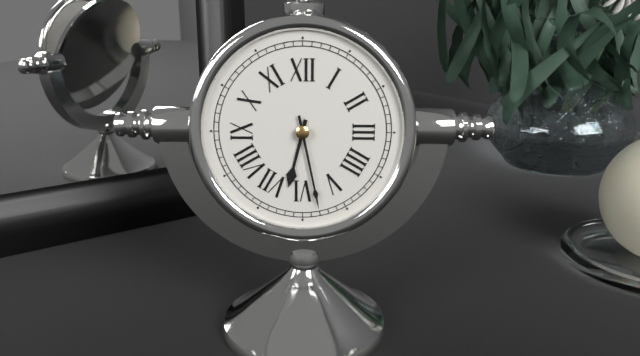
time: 6:28
